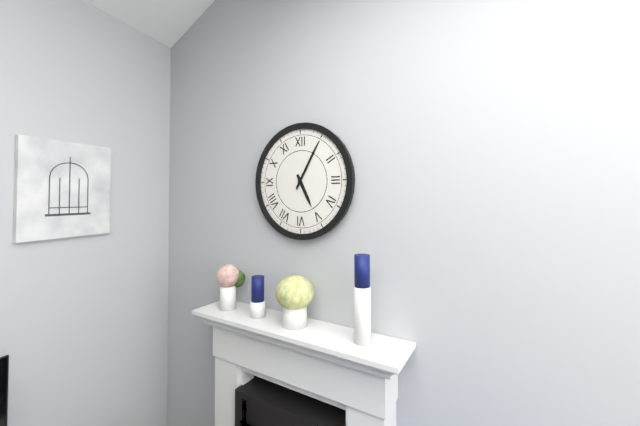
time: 5:05
